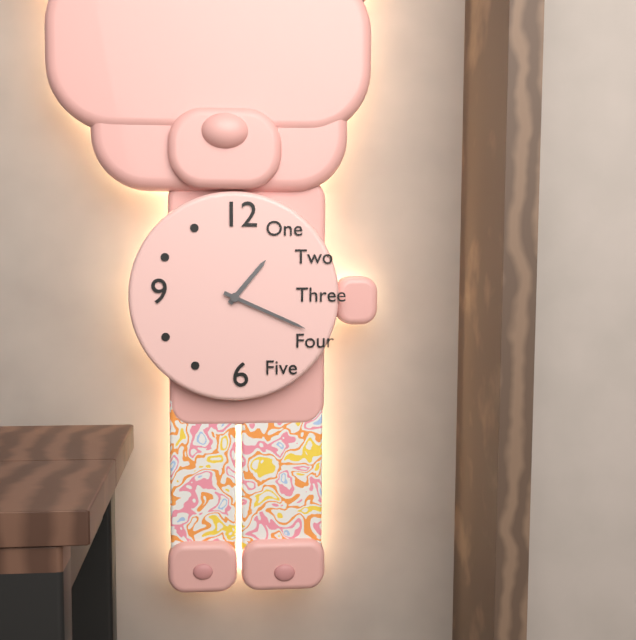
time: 1:19
